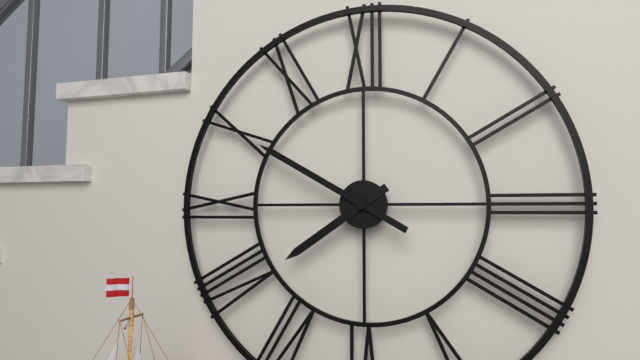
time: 7:50
